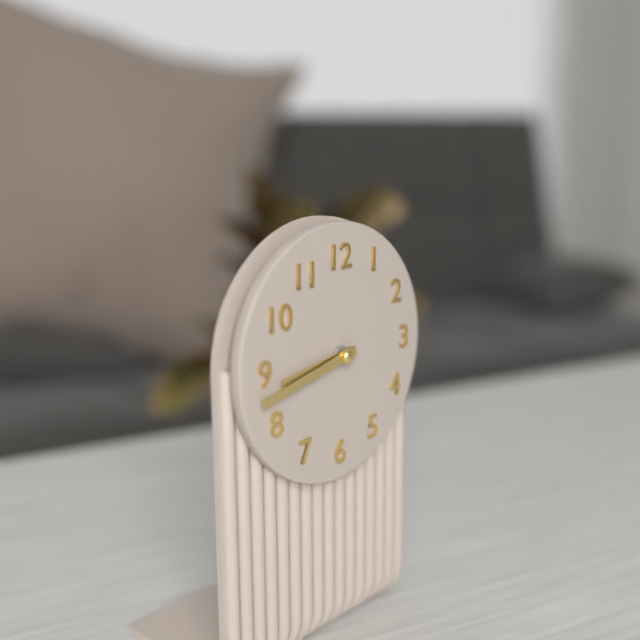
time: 8:43
